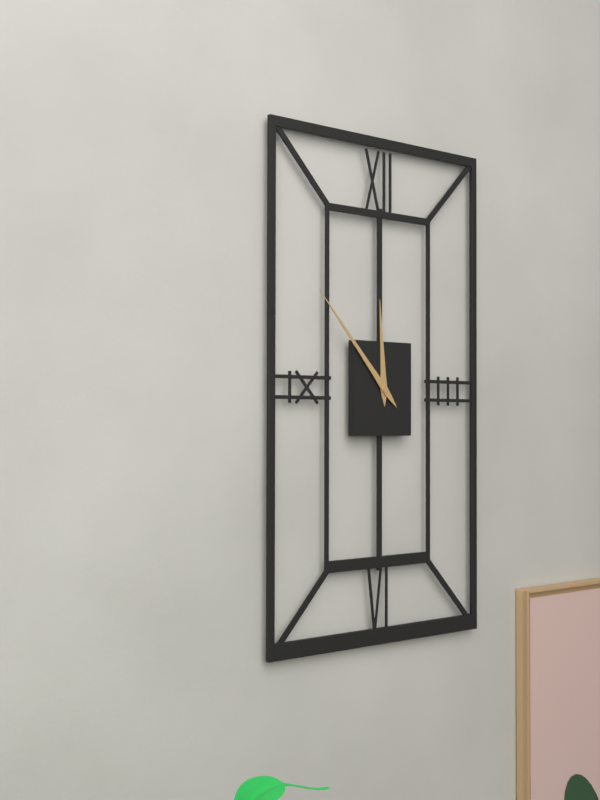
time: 11:53
